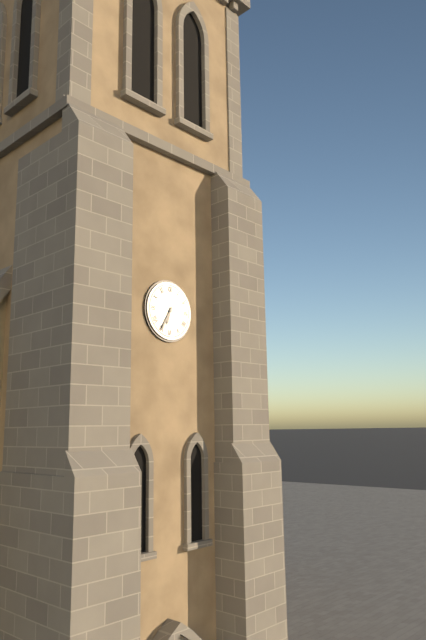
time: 6:35
